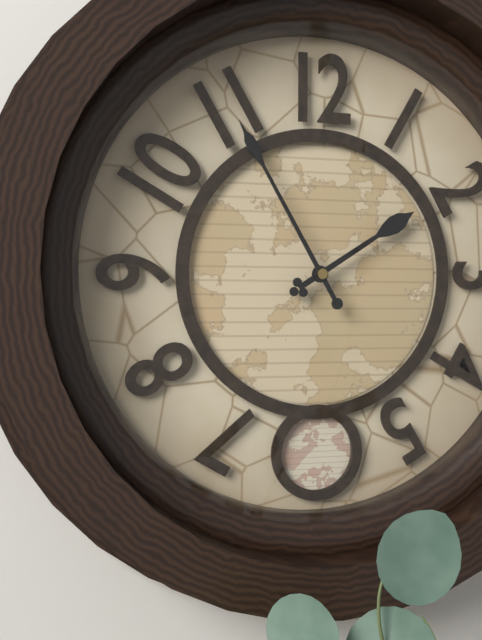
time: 1:55
